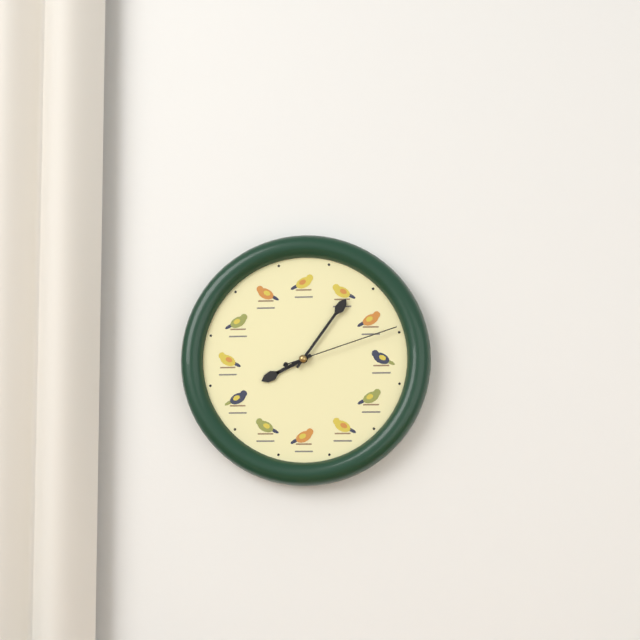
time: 8:06:12
